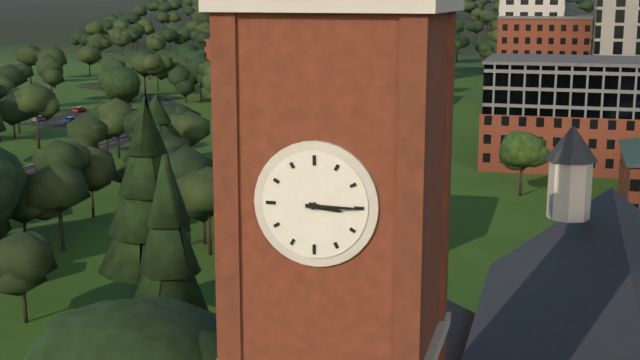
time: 3:15
